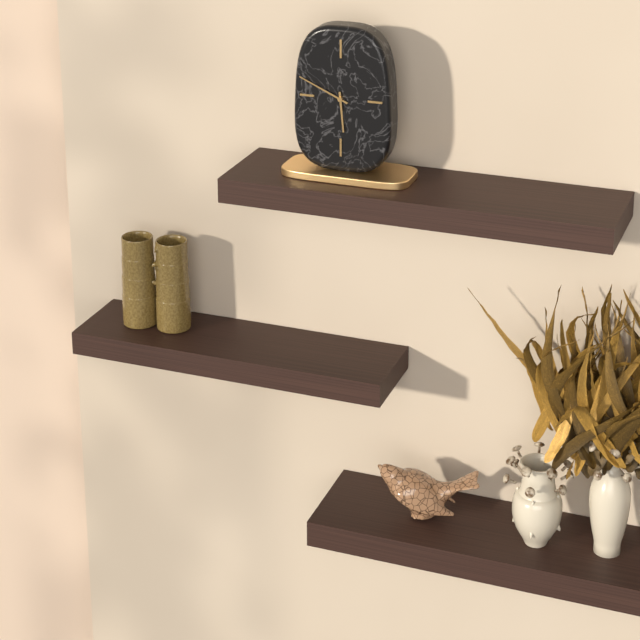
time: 5:49
